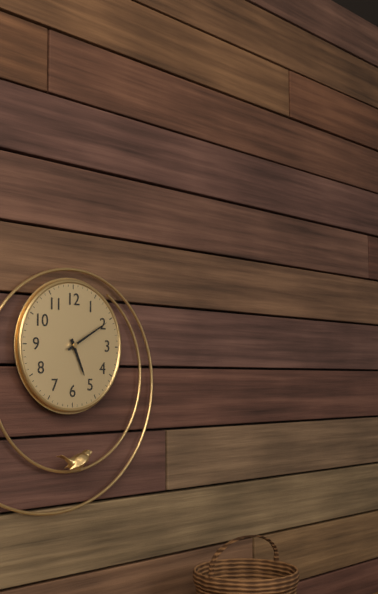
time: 5:10
